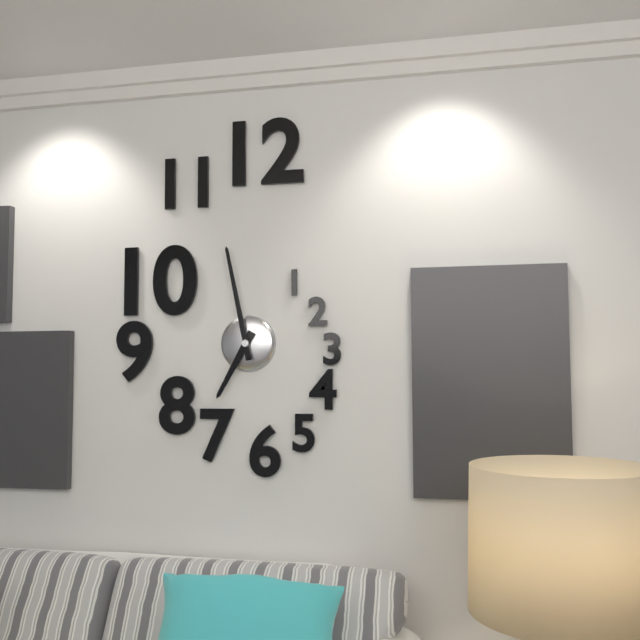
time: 6:58
